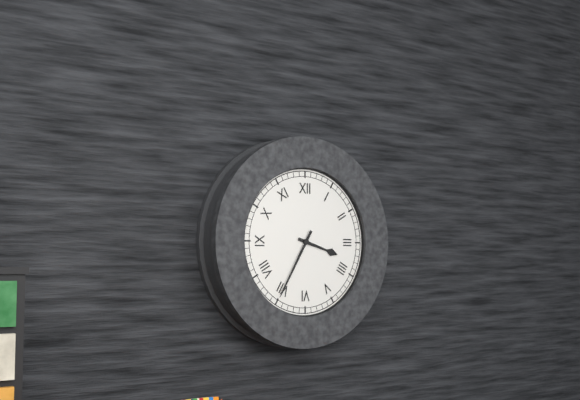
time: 3:35
